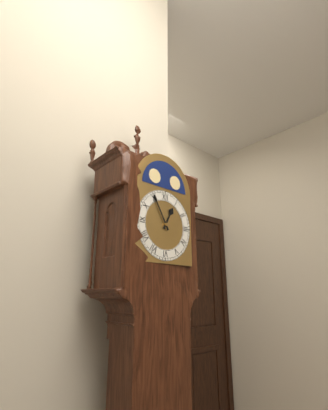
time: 12:55
